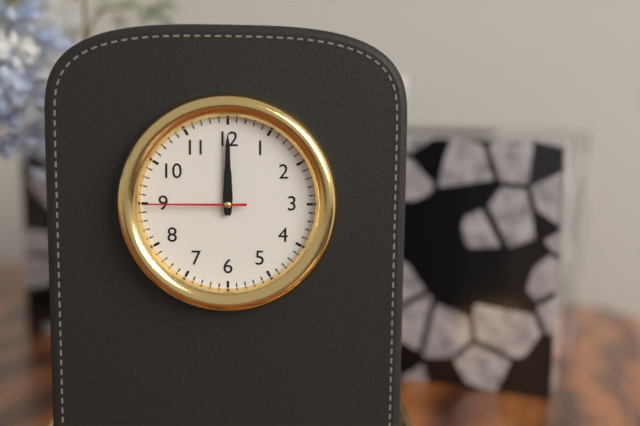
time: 12:00:45
